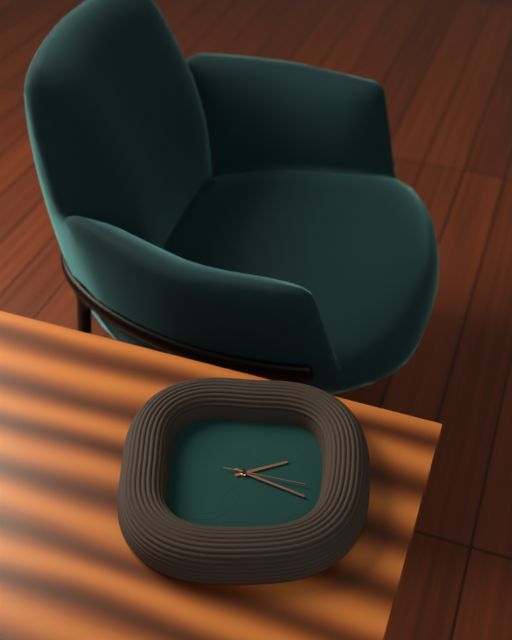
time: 2:19:17
